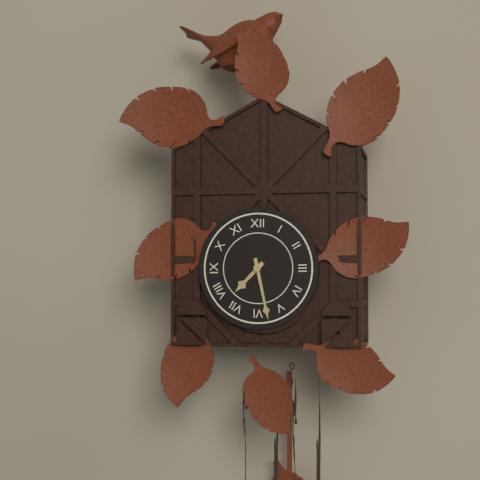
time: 7:28
